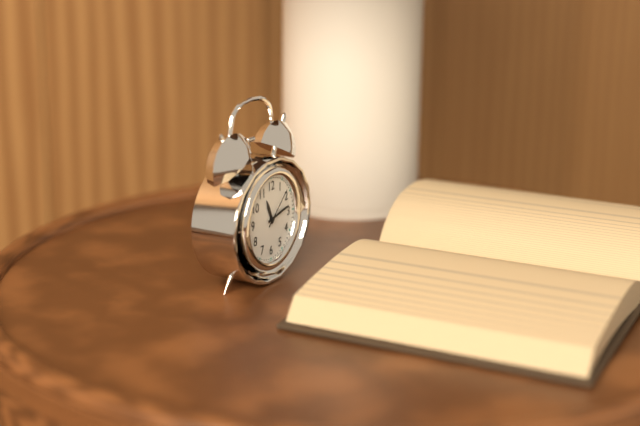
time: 11:13
